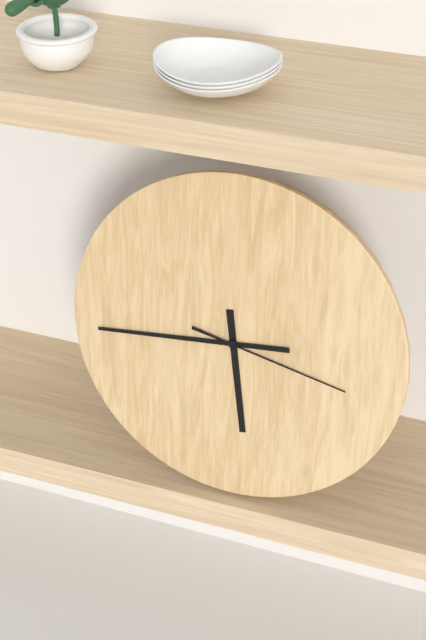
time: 5:44:17
